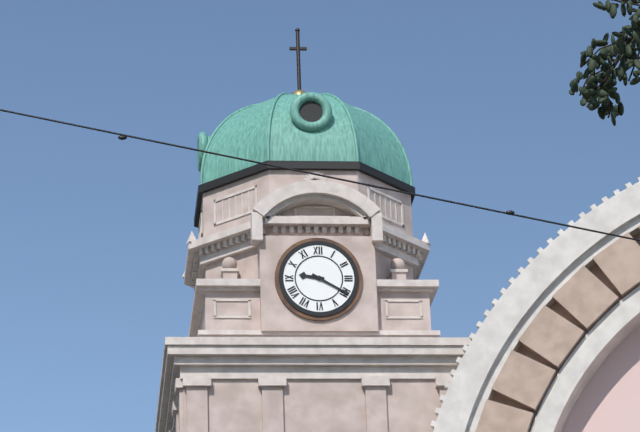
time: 9:20
